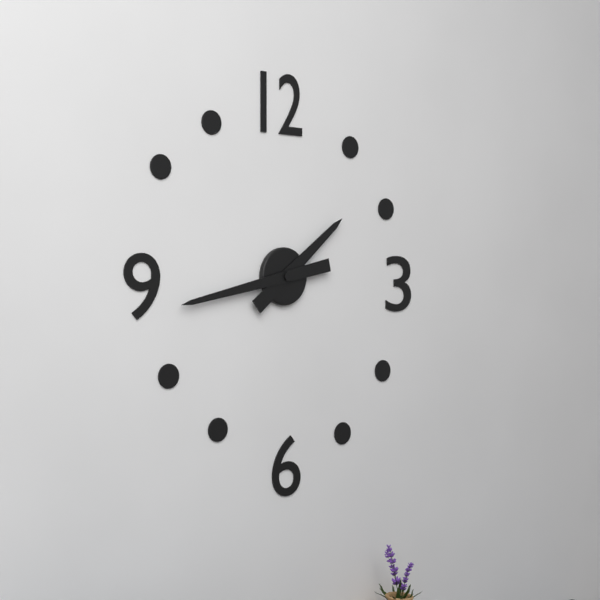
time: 1:43
